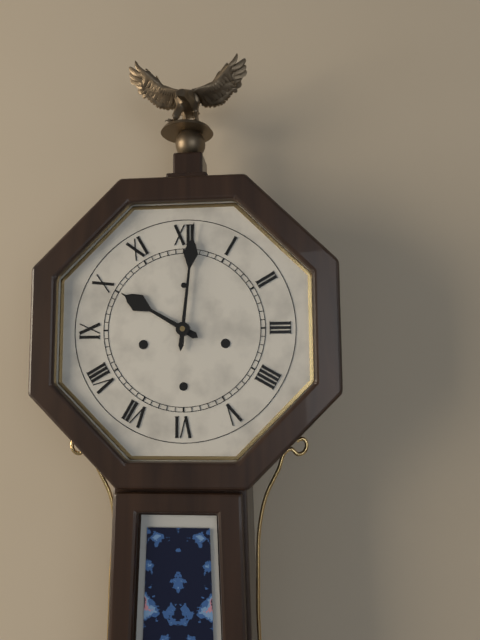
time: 10:01
